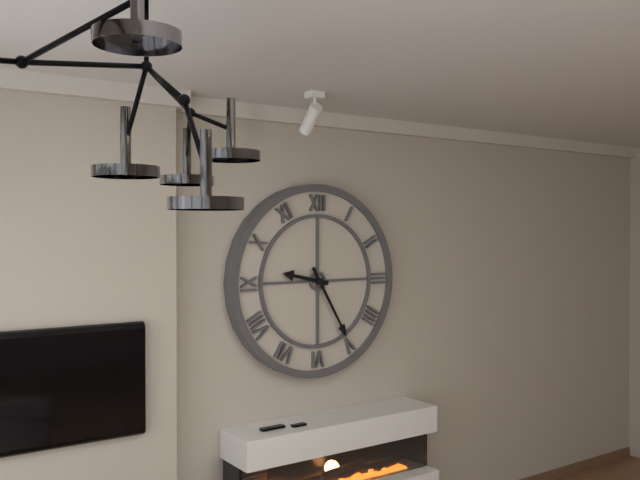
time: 9:25
